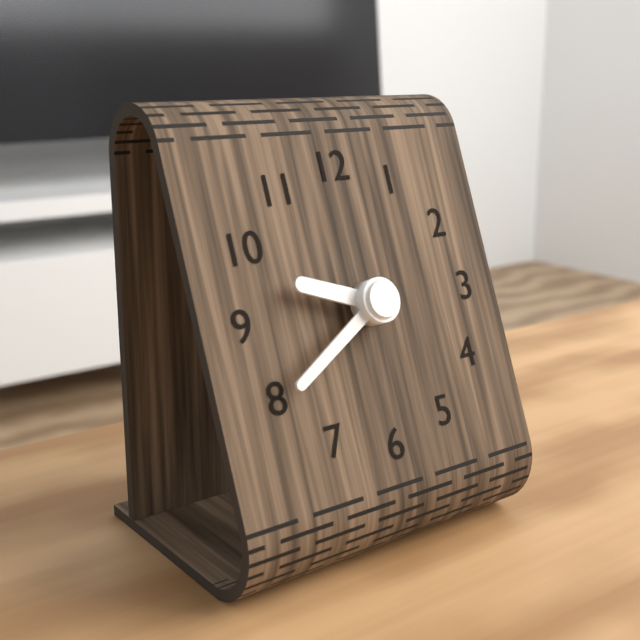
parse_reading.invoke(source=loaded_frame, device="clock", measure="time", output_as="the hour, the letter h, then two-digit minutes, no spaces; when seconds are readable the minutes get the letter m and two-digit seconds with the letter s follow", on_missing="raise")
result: 9h40
